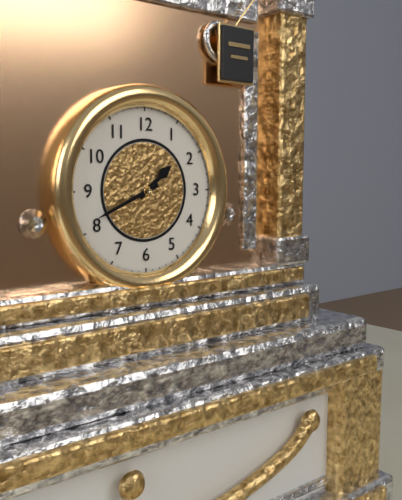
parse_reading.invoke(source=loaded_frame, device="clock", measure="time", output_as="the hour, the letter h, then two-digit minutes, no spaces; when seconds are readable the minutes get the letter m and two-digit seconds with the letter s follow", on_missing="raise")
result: 1h41
